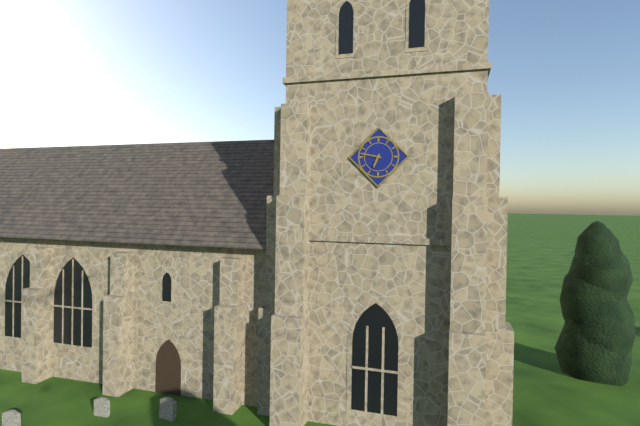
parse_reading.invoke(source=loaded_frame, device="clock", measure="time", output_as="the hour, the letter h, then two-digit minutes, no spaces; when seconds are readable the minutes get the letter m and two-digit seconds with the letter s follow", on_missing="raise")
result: 6h47
